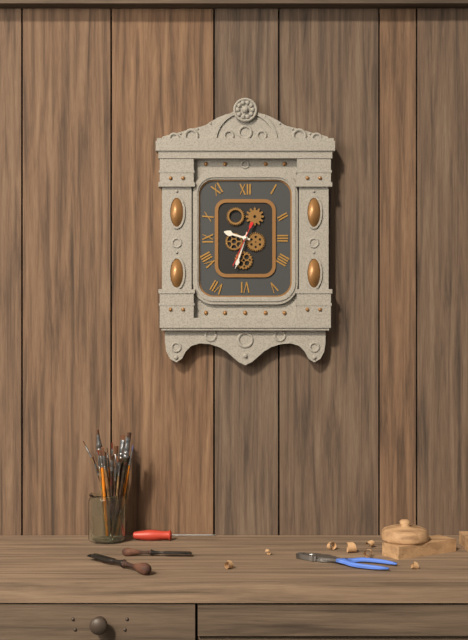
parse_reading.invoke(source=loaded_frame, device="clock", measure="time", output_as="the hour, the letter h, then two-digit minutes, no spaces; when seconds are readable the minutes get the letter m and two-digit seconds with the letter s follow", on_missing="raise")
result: 9h33
